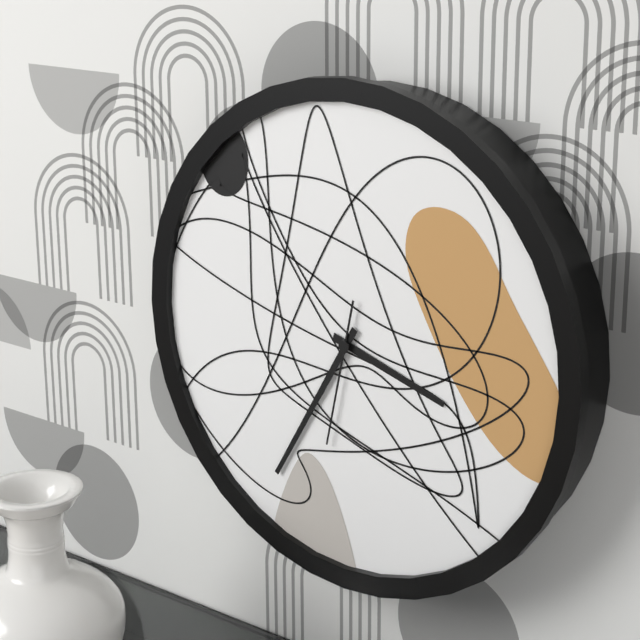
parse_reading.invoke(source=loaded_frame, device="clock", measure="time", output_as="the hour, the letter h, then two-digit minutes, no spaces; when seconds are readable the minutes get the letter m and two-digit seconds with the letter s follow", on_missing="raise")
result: 3h35m32s
